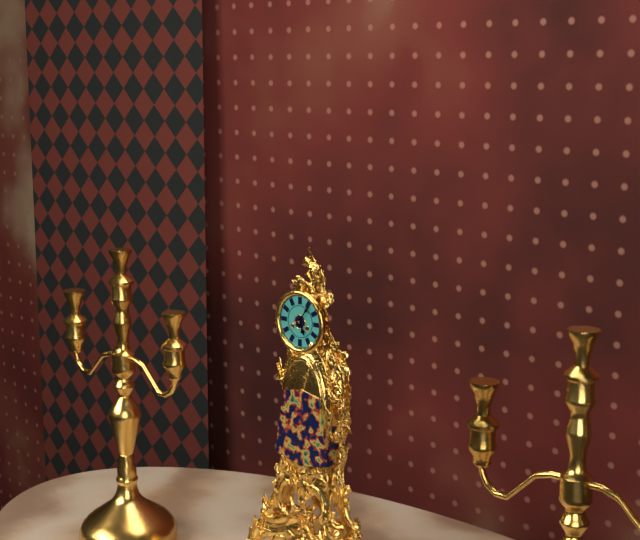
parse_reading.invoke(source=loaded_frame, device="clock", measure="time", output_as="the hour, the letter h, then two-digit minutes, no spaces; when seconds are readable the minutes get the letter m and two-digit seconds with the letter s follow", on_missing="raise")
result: 5h06
